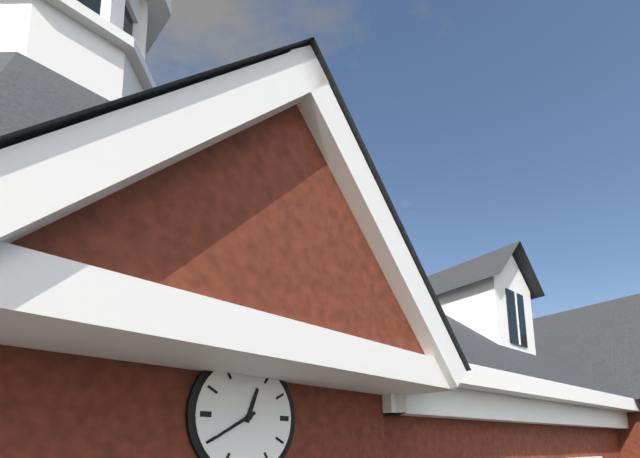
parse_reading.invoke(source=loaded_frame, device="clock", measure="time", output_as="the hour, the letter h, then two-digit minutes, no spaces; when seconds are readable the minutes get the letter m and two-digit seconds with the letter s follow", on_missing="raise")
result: 12h40
